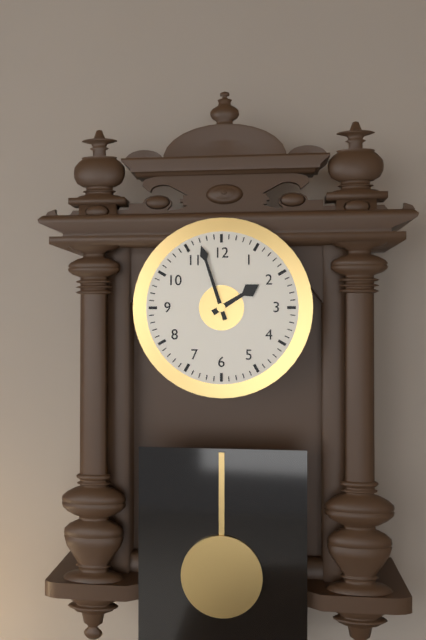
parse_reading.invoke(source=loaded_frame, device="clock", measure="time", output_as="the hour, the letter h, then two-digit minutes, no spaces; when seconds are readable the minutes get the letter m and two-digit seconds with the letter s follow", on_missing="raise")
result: 1h57
